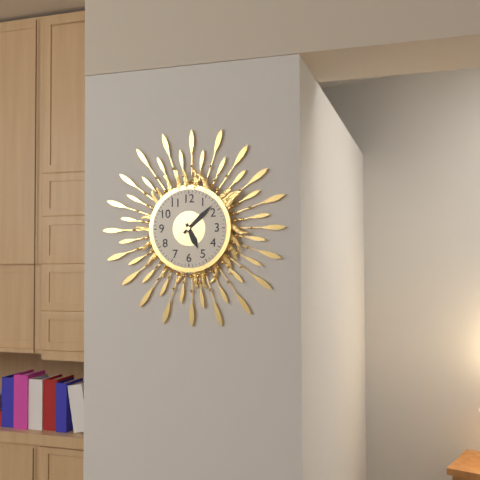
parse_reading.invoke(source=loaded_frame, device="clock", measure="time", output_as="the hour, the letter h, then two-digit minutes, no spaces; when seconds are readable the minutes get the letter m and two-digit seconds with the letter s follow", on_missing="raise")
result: 5h08
